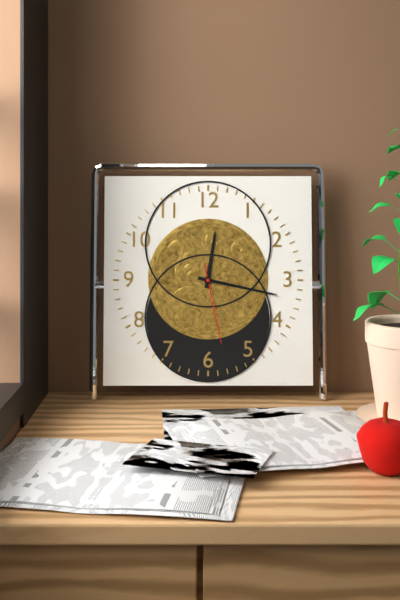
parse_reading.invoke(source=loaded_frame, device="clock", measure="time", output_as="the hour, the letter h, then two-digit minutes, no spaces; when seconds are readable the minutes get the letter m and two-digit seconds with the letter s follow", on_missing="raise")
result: 12h17m28s
